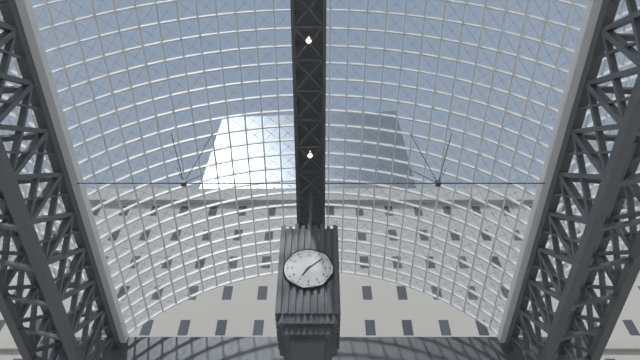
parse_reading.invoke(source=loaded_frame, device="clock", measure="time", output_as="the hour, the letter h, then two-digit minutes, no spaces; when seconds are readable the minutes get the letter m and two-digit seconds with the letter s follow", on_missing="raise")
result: 7h08
